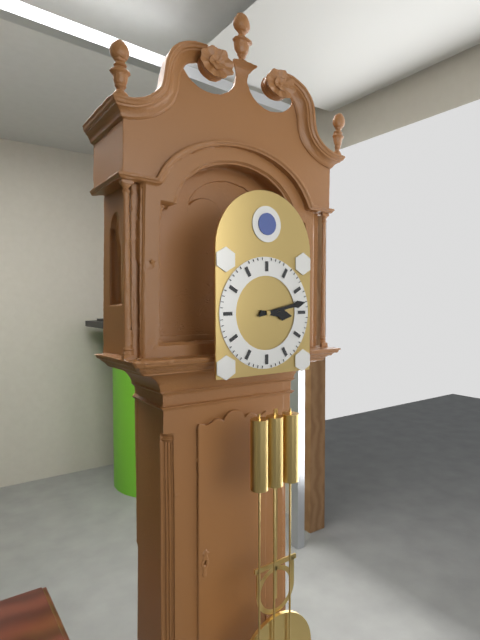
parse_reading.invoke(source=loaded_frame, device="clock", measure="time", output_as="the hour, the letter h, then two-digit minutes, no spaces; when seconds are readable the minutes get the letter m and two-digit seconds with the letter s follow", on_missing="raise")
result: 3h13
